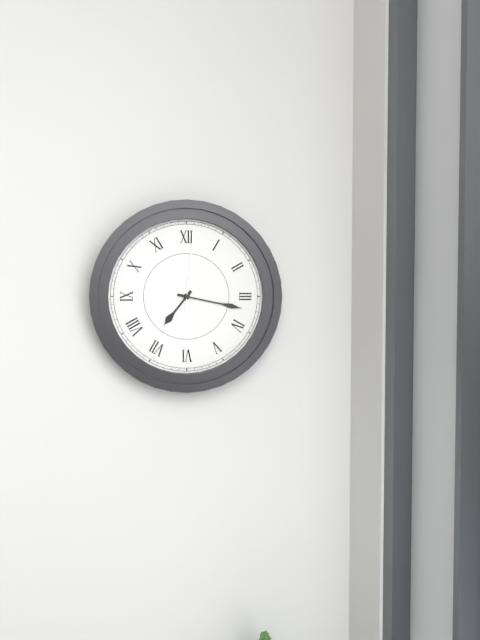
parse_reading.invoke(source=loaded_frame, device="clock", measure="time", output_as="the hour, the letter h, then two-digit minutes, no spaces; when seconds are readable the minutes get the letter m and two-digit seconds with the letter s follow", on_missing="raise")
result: 7h17m01s
